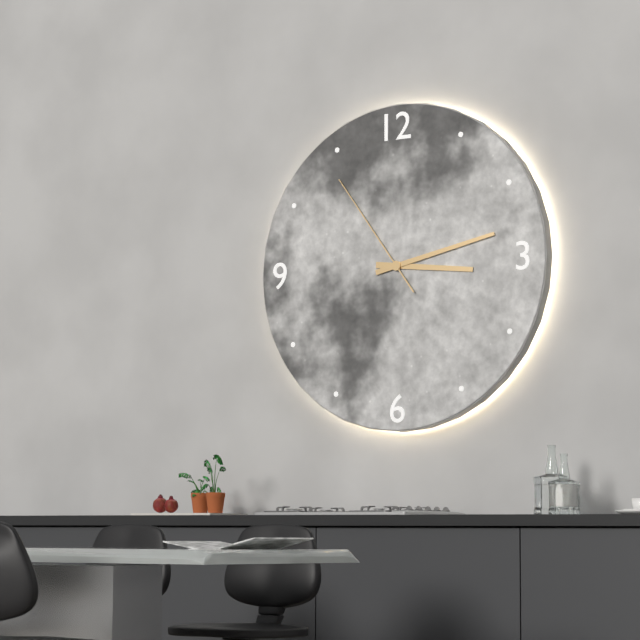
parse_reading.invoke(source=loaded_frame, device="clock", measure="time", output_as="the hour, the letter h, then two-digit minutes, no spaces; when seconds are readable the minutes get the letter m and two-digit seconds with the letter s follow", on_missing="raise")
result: 3h13m54s
